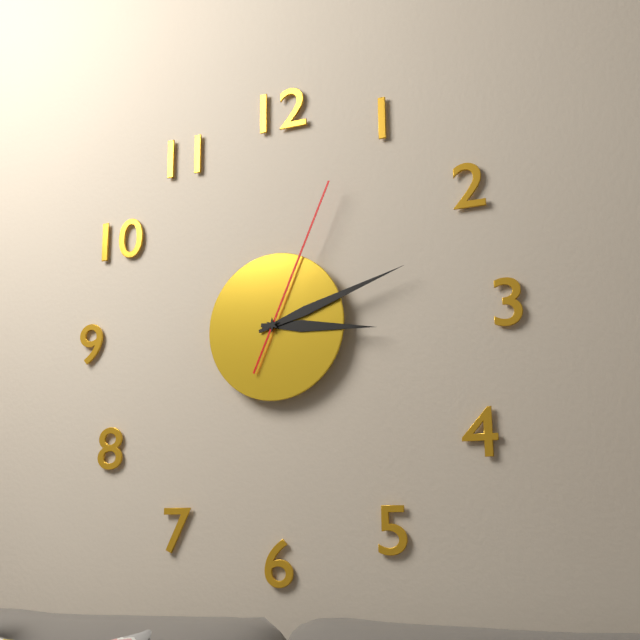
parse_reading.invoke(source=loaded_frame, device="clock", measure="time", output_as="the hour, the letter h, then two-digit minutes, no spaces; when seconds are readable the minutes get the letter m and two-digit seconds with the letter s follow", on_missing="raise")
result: 3h12m04s
